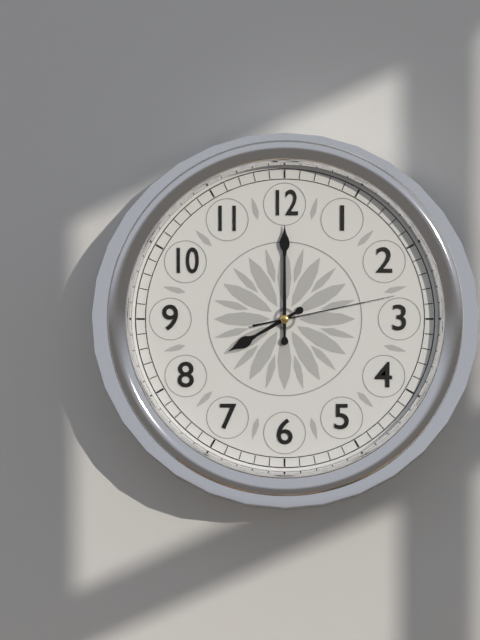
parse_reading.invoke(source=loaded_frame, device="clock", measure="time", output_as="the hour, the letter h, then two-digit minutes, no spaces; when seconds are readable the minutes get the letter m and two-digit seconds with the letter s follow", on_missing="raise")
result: 8h00m13s
